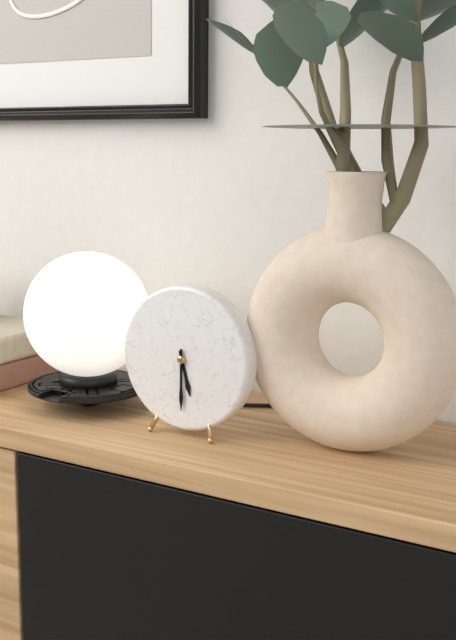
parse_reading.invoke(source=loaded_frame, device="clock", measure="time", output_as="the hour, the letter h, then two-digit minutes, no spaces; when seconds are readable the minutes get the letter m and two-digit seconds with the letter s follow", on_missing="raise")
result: 5h30
